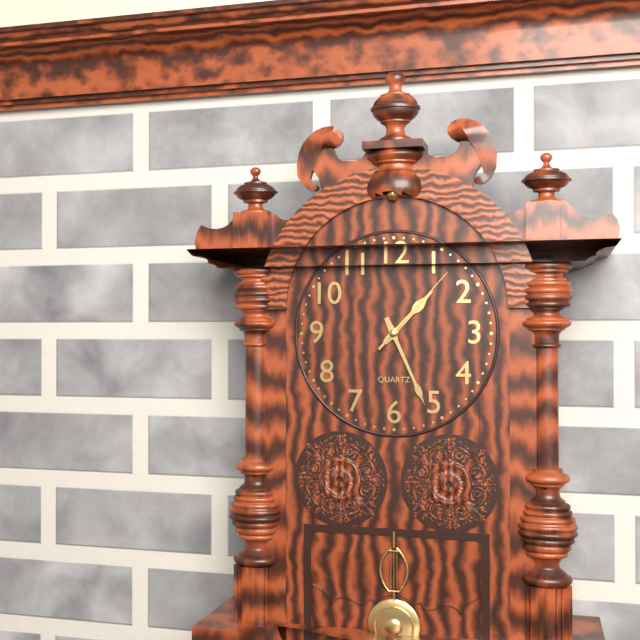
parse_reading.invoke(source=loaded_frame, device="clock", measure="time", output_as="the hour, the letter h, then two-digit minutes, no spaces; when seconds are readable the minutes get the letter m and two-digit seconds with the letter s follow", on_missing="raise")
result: 1h26m07s
